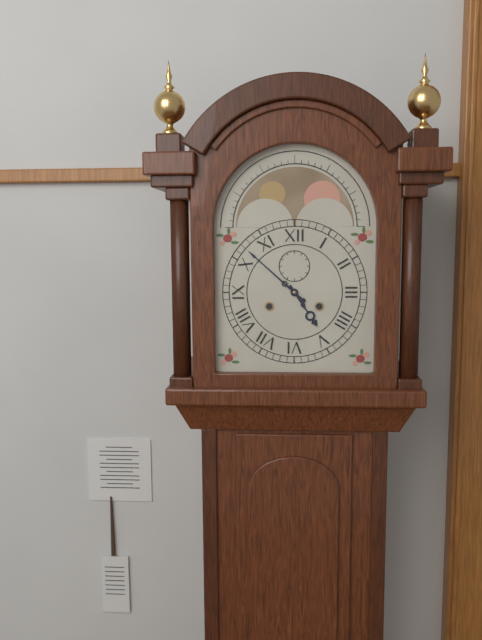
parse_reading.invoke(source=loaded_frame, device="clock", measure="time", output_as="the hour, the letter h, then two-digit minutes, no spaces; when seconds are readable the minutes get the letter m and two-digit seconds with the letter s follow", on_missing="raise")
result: 4h52
